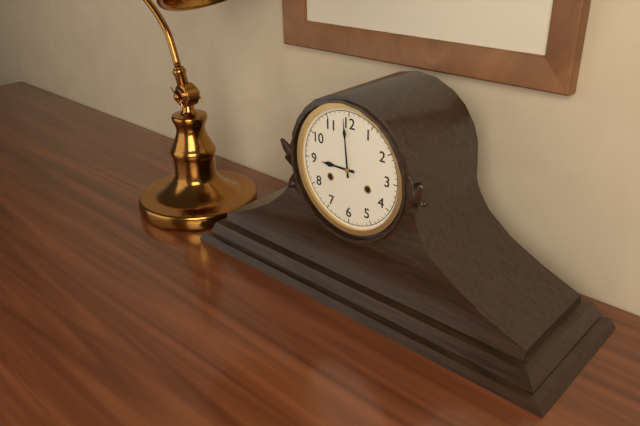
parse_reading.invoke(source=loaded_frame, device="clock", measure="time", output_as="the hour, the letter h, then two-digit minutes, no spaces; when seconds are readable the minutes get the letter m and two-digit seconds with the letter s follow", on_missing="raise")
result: 8h59
